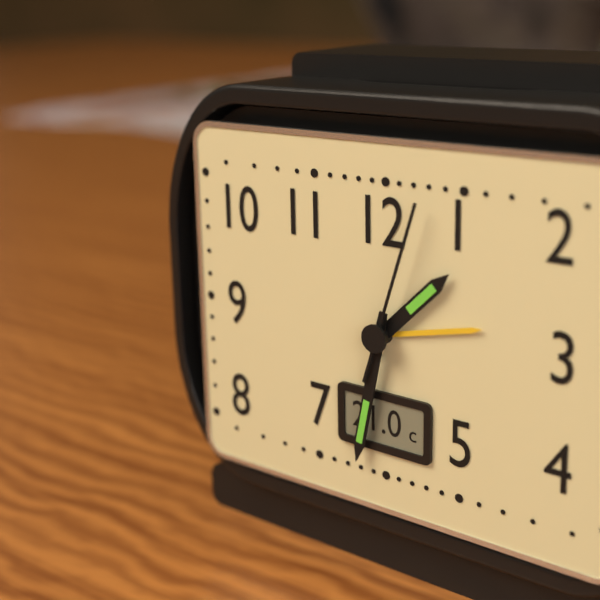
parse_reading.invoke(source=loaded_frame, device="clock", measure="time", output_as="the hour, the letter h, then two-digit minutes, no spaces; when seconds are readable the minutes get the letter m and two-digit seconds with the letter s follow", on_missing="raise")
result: 1h32m03s
